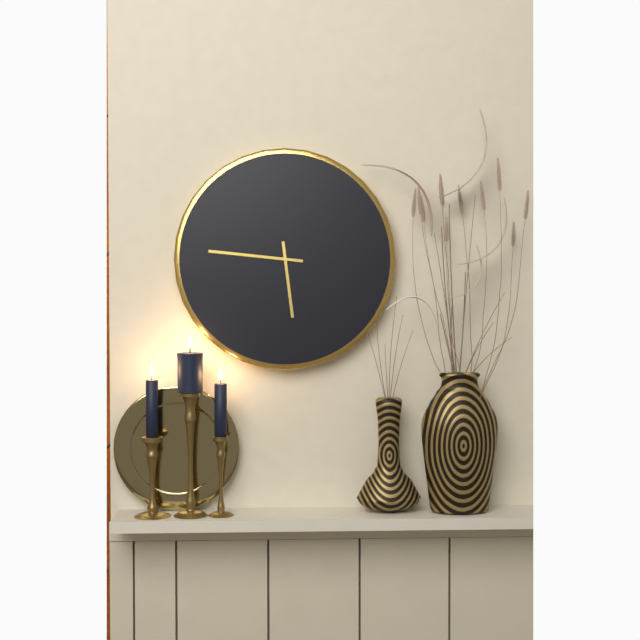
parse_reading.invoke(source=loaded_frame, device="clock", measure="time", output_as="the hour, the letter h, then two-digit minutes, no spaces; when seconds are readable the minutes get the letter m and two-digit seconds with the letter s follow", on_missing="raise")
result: 5h46
